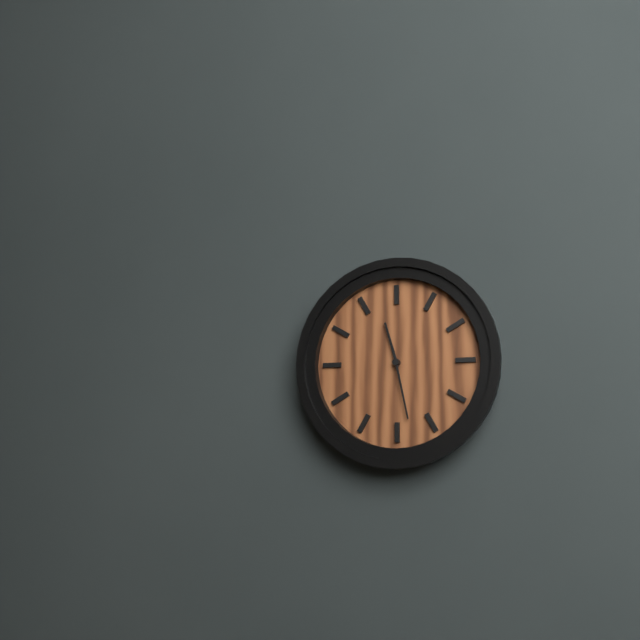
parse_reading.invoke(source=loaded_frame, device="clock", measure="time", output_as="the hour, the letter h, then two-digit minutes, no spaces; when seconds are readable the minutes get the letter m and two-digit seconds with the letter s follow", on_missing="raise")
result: 11h28
